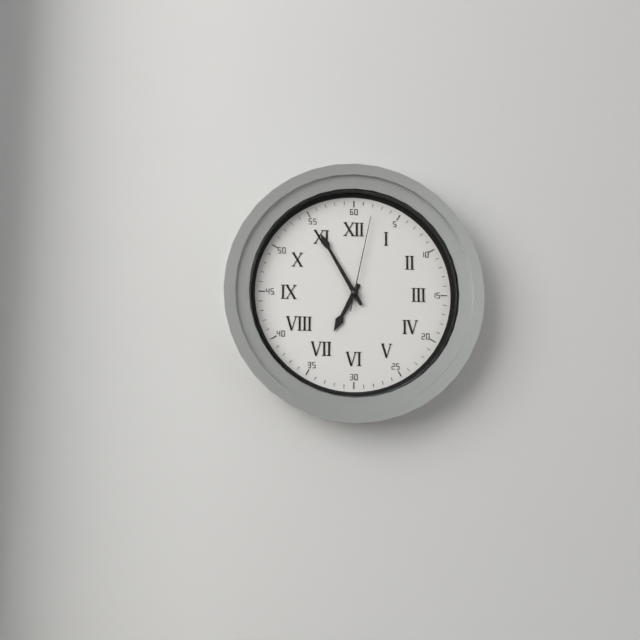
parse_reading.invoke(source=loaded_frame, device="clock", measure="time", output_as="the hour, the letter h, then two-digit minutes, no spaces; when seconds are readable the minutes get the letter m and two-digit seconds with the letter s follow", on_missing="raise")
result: 6h55m02s
